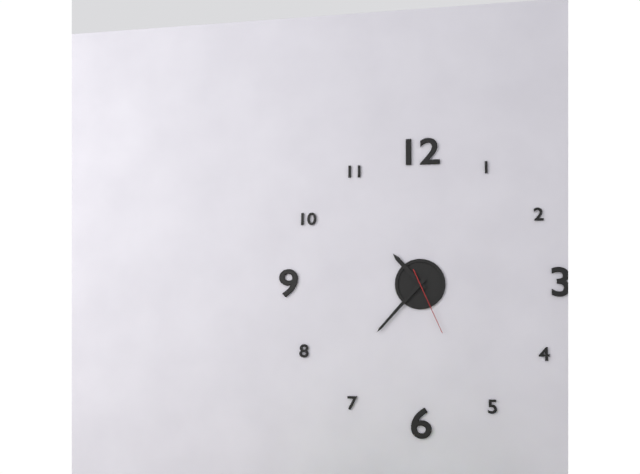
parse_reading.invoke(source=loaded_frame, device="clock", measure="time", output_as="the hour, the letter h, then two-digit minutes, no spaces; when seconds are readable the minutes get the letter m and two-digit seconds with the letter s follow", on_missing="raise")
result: 10h37m26s
